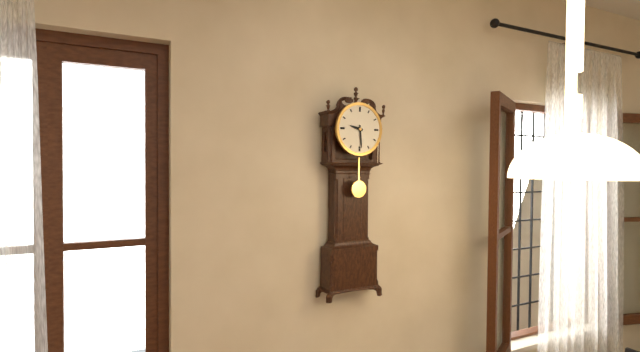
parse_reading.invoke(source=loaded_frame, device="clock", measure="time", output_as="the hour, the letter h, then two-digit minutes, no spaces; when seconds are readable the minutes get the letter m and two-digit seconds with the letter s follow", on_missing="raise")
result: 9h29
